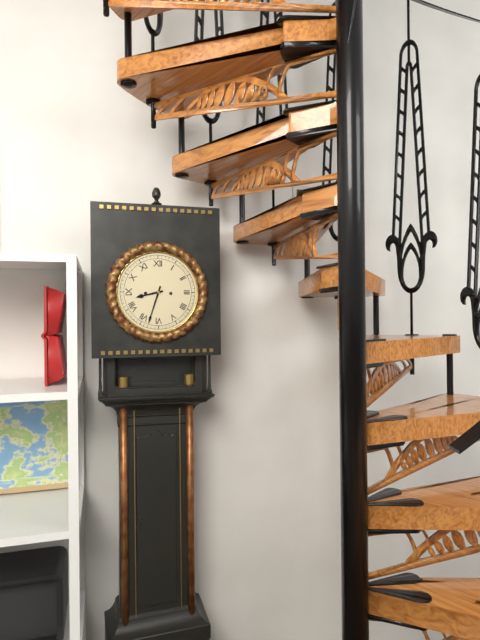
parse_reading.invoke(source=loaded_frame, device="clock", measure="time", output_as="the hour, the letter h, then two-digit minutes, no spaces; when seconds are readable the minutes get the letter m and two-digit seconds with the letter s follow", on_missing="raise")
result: 8h33
